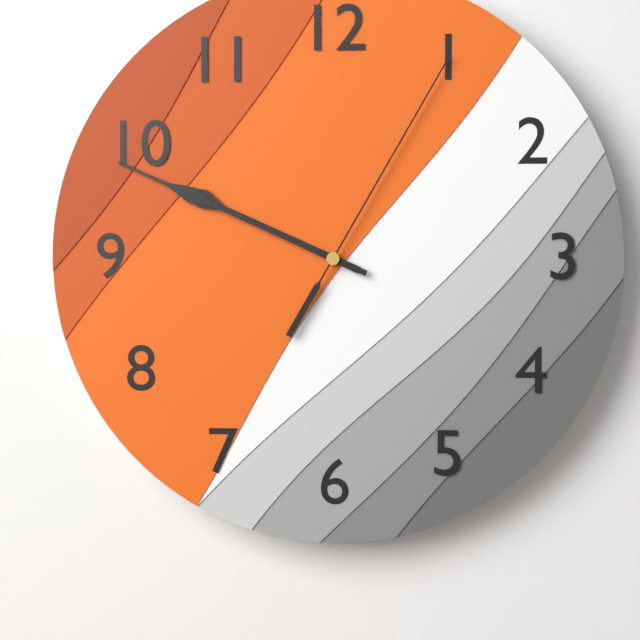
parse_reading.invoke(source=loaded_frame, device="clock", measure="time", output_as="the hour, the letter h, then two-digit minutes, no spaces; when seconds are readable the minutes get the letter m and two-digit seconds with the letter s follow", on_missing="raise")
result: 9h49m05s
